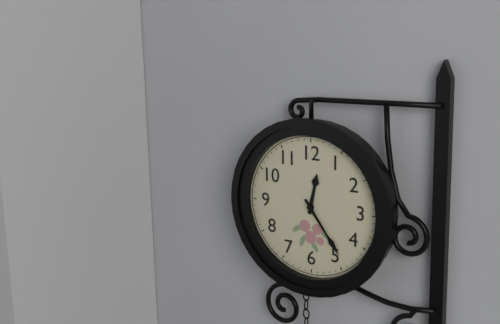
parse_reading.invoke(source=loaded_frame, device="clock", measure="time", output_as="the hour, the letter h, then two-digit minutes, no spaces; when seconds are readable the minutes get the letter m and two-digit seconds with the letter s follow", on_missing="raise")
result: 12h24
